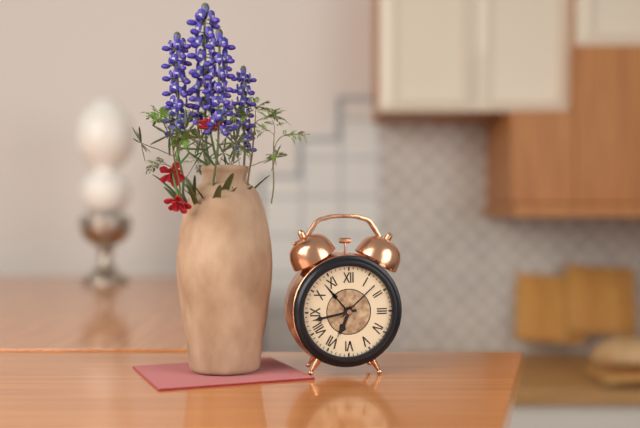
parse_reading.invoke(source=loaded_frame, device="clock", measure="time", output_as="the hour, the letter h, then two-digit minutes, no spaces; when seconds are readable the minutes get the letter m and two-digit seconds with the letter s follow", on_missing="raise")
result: 6h43
